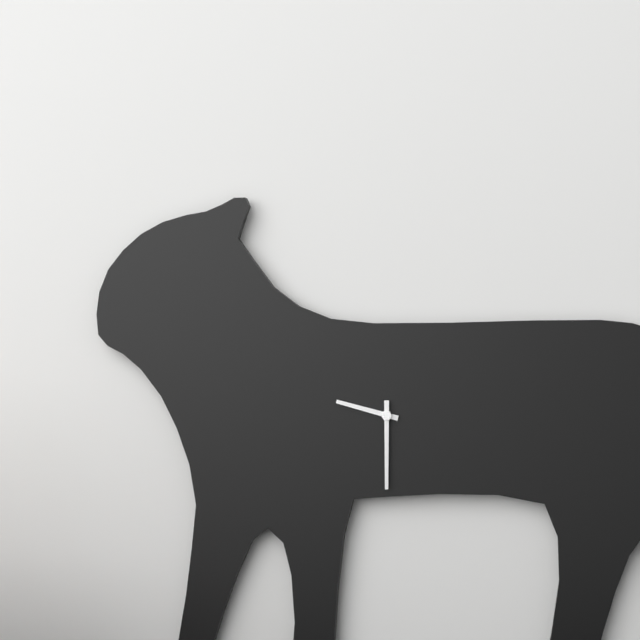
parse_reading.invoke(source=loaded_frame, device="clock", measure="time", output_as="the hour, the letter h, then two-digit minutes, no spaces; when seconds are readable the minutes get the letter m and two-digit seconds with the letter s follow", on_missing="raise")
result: 9h30
